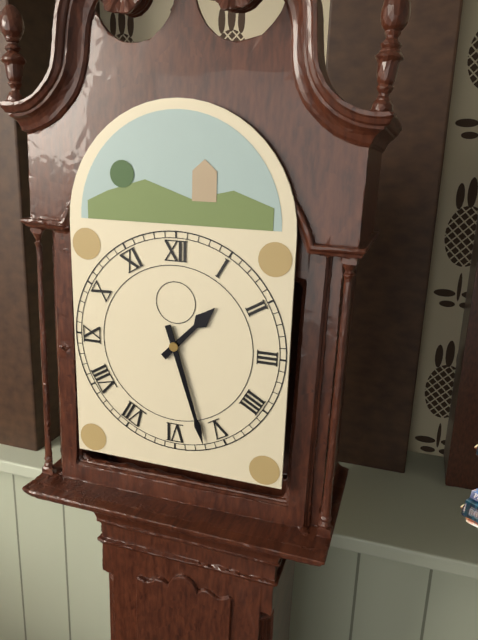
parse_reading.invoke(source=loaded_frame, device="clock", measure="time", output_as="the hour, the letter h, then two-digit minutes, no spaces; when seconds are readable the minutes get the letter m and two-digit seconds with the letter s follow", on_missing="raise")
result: 1h27
